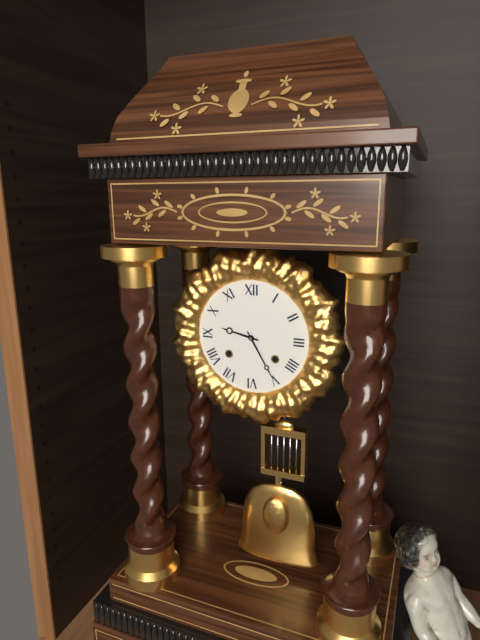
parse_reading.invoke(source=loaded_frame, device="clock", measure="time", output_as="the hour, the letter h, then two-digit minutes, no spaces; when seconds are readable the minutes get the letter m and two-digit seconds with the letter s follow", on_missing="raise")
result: 9h25
